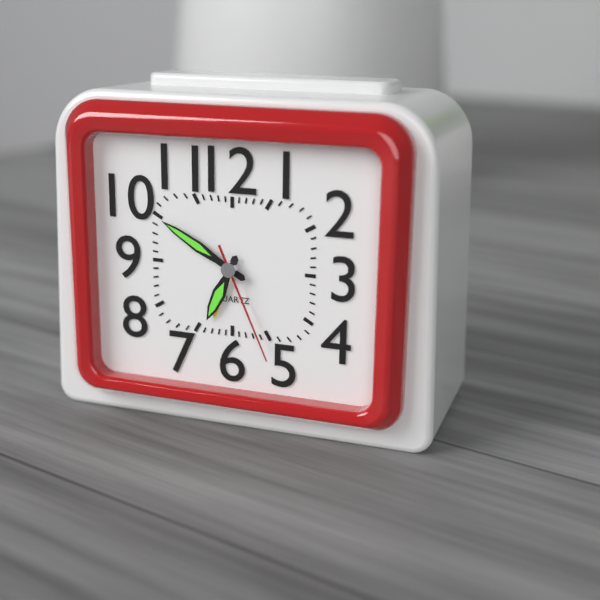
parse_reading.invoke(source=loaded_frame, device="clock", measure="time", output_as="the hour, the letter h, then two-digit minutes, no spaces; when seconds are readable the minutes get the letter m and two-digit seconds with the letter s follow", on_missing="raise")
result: 6h50m26s
